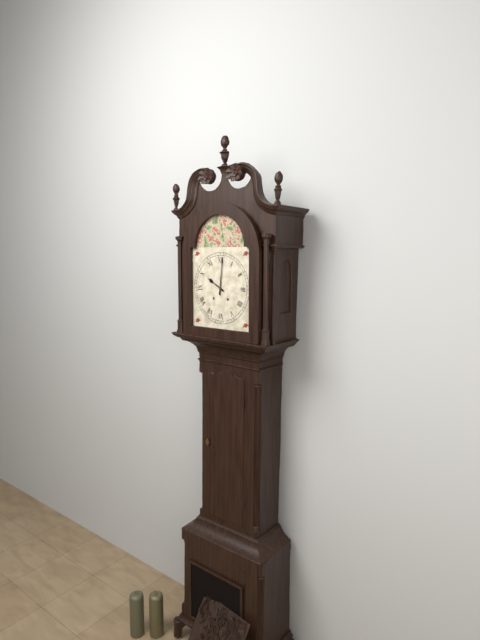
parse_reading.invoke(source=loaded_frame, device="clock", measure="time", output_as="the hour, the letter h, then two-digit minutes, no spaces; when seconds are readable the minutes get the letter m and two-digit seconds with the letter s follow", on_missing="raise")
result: 10h01
